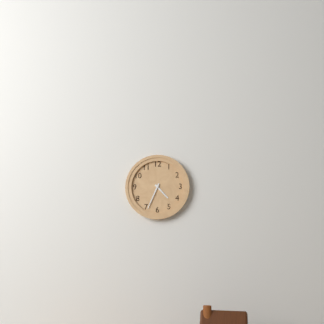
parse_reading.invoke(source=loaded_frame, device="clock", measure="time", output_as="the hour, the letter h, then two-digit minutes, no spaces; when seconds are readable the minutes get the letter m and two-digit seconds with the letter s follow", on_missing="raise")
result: 4h34
